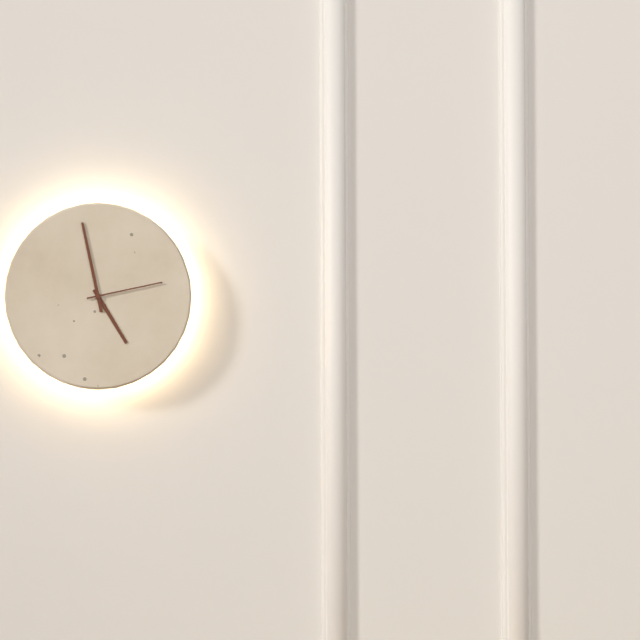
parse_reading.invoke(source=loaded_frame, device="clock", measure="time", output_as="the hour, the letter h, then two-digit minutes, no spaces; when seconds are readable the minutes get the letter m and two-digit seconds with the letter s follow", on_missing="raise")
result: 4h58m13s
